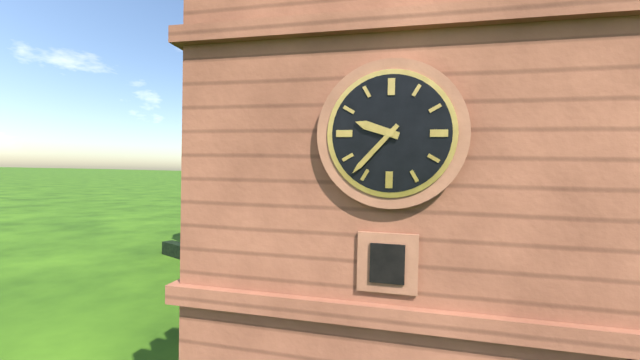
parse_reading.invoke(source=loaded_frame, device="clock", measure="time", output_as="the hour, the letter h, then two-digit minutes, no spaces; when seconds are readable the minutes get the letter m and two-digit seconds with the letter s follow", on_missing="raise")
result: 9h37
